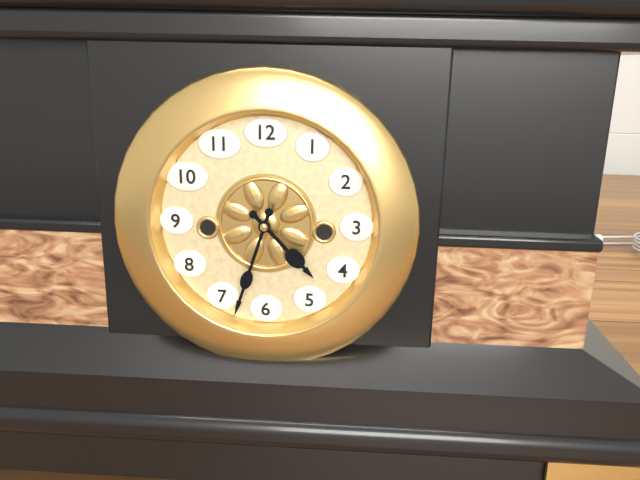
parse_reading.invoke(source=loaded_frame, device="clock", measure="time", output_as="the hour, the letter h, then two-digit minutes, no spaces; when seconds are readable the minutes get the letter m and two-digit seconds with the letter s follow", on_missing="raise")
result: 4h33
